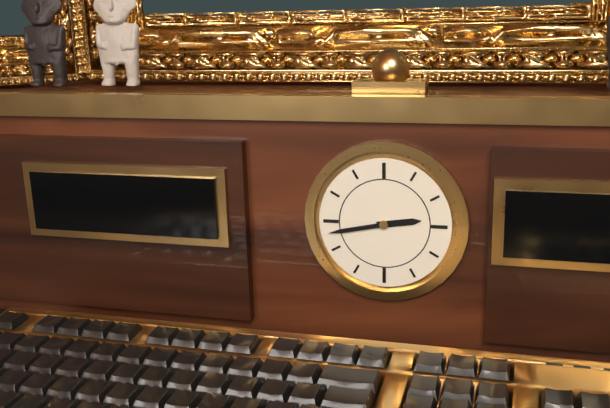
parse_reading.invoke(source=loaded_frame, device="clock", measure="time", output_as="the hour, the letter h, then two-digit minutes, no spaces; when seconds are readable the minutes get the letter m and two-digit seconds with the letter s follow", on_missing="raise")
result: 2h43
